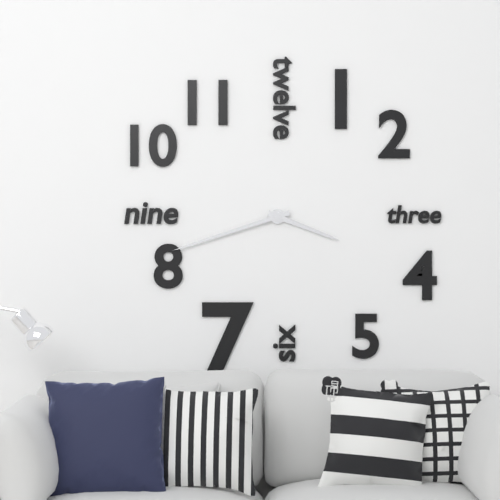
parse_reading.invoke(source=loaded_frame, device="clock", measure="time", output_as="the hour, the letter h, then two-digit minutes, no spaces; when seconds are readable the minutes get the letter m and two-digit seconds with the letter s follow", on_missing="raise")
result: 3h42
